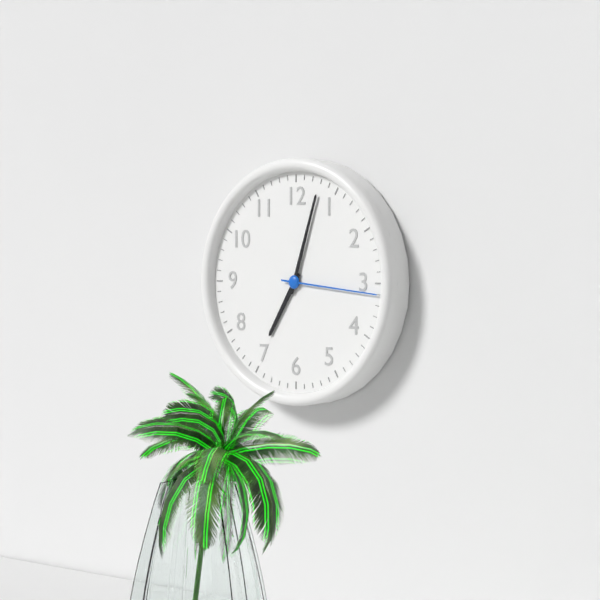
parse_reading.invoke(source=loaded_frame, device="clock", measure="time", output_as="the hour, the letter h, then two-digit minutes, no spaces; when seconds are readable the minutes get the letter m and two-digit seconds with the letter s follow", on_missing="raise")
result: 7h03m16s
